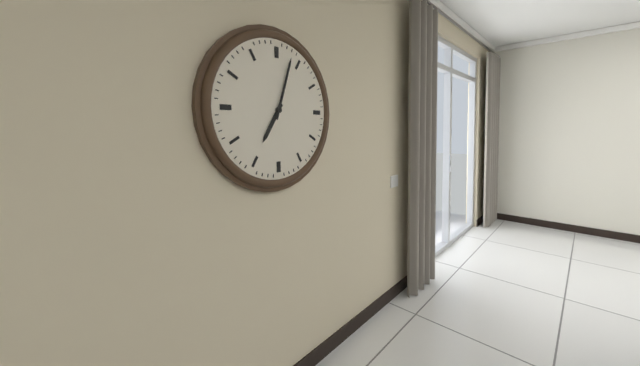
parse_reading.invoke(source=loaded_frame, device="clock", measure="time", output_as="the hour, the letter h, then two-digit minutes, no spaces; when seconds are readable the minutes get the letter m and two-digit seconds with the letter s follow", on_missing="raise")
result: 7h03
